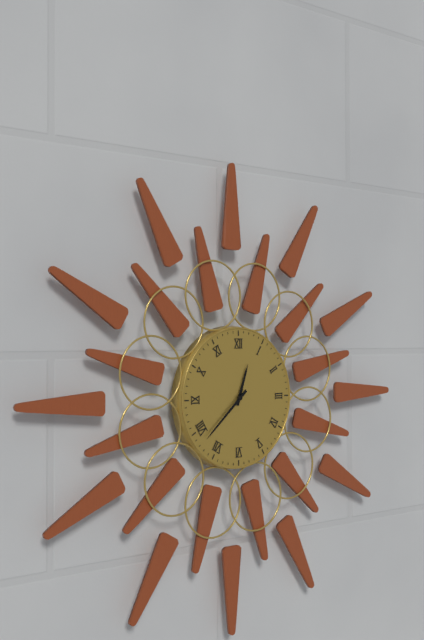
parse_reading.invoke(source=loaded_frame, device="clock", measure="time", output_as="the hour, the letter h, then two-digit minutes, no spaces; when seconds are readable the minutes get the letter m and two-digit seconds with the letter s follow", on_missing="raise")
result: 12h38
